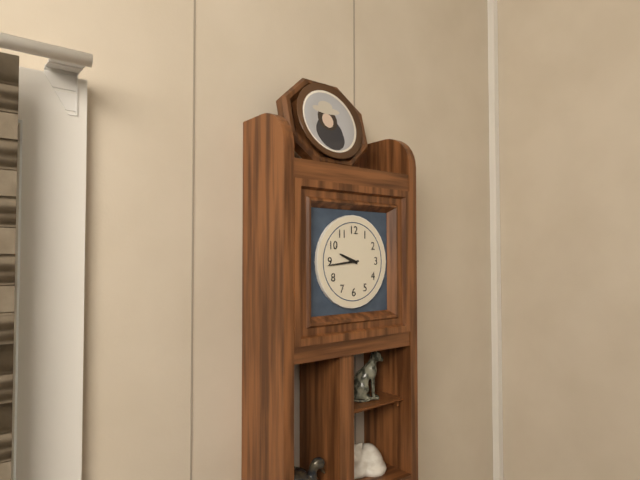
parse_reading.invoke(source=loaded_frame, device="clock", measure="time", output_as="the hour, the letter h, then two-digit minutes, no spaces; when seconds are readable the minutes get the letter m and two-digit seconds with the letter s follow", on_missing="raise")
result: 9h44
